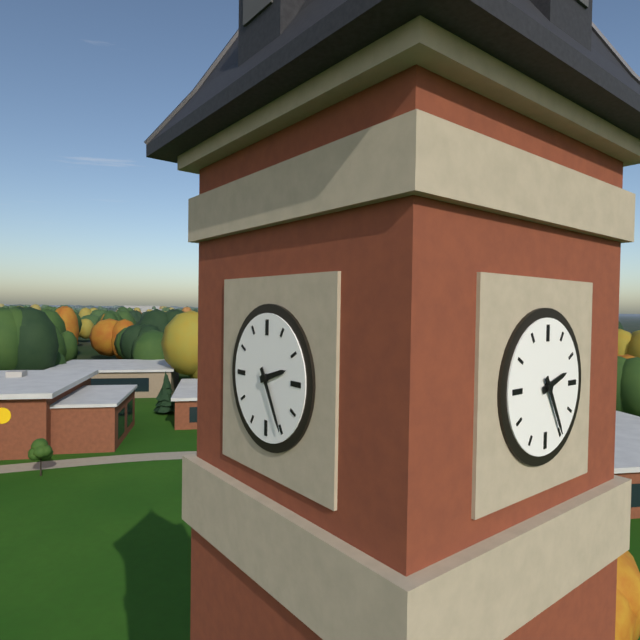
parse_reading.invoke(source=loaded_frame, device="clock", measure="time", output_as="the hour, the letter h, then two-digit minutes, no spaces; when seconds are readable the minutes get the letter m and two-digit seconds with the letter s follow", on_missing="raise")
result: 2h25
